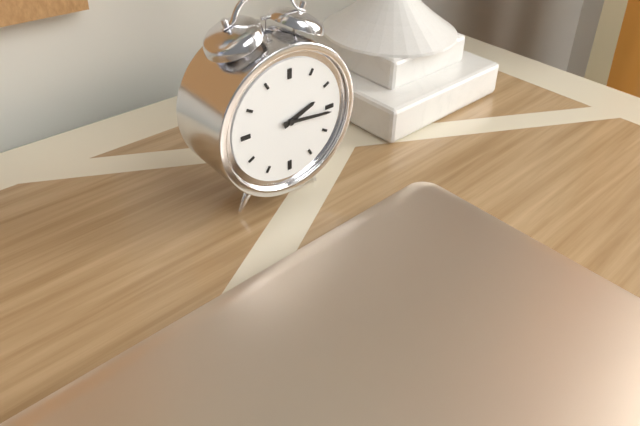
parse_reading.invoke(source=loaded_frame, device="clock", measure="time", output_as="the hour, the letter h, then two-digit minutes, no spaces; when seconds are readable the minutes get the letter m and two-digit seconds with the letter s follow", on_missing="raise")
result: 2h16
